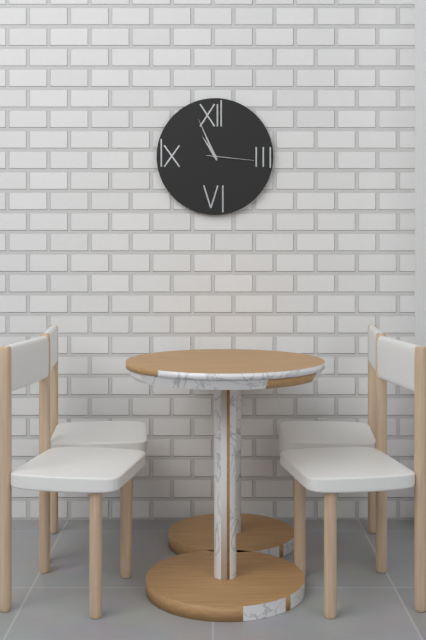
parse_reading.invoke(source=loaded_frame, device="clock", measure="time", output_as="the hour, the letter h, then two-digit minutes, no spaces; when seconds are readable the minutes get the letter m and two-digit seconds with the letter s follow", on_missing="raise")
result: 10h56m16s
